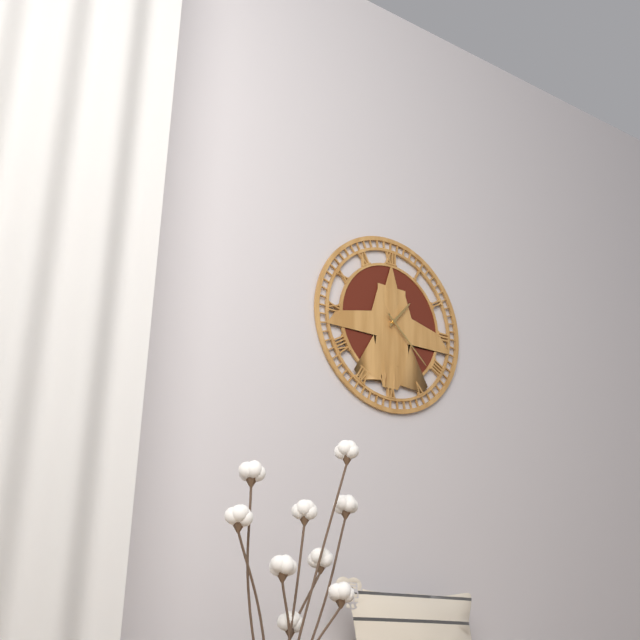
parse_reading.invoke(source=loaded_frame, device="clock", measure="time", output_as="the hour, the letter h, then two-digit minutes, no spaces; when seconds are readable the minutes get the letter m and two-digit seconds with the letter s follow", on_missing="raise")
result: 1h22
